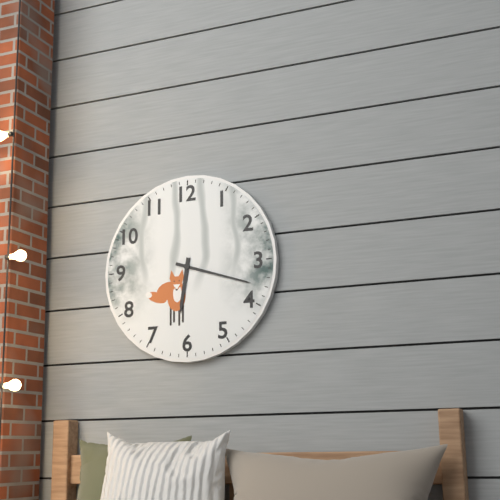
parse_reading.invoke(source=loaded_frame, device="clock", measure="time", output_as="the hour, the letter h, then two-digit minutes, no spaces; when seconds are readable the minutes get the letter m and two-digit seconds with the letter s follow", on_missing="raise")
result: 6h18
